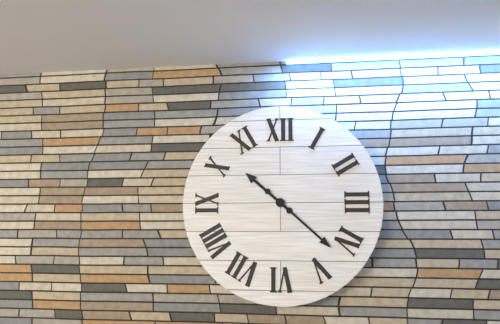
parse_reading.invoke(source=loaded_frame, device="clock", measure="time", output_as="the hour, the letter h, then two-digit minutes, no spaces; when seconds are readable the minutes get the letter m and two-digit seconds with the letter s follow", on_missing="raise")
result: 10h22
